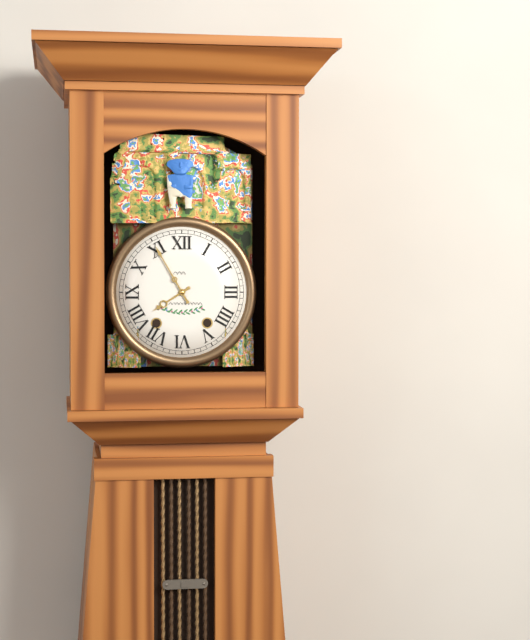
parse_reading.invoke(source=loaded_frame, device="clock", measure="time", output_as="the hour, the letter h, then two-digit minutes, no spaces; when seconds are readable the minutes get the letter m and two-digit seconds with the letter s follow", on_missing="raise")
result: 7h55
